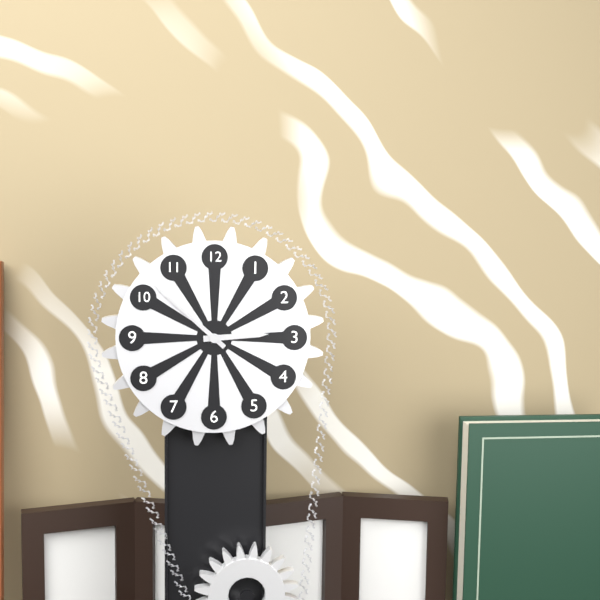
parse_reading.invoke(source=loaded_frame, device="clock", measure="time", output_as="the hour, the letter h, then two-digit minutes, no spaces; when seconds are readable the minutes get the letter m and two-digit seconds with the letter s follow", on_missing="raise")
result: 2h52
